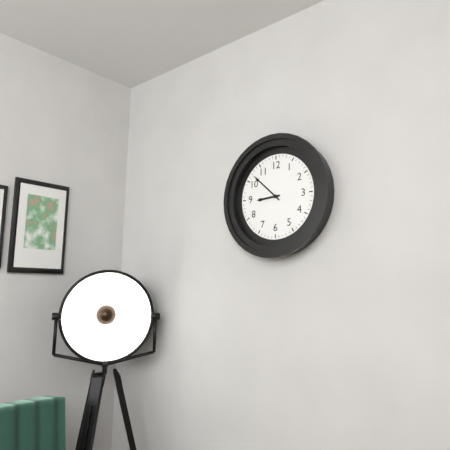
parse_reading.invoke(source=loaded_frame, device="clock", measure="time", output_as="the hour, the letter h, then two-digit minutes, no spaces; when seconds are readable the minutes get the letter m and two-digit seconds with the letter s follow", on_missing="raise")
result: 8h52
